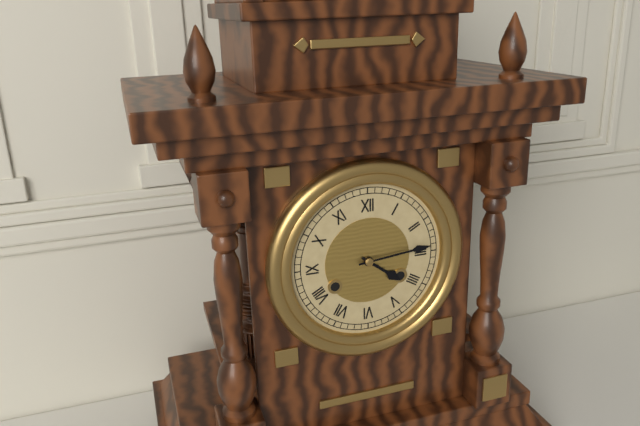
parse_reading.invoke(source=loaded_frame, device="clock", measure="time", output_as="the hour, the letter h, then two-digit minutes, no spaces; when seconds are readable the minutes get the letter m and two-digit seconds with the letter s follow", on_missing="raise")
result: 4h14
